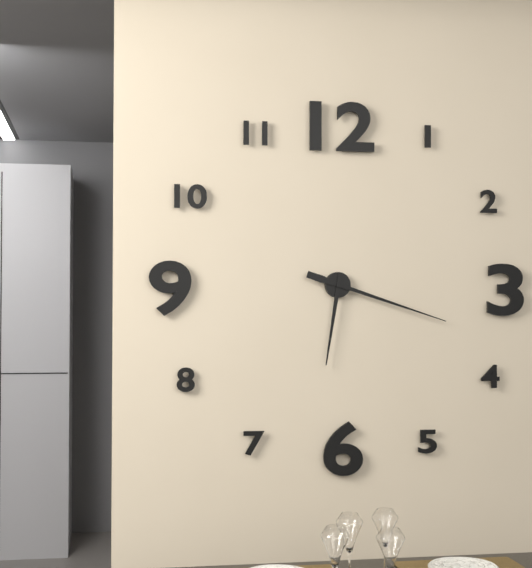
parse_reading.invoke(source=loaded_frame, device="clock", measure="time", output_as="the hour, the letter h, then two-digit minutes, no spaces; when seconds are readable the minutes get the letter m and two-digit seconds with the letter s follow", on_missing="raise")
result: 6h18
